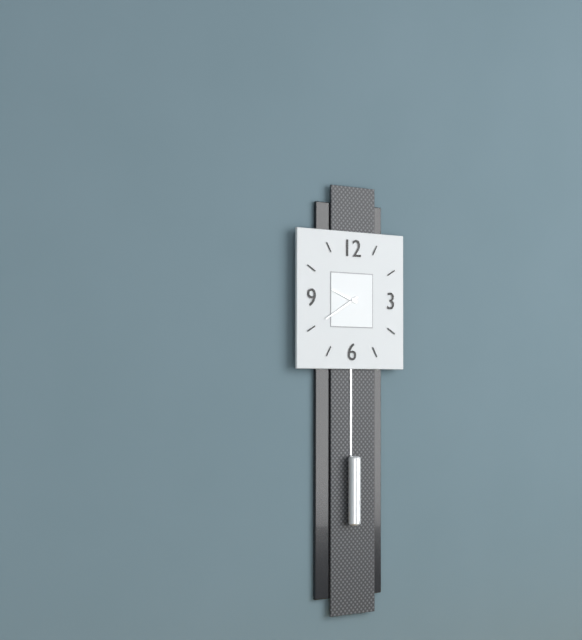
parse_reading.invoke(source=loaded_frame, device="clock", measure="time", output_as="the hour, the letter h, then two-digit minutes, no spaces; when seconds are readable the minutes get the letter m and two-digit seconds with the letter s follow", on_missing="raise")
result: 9h40
